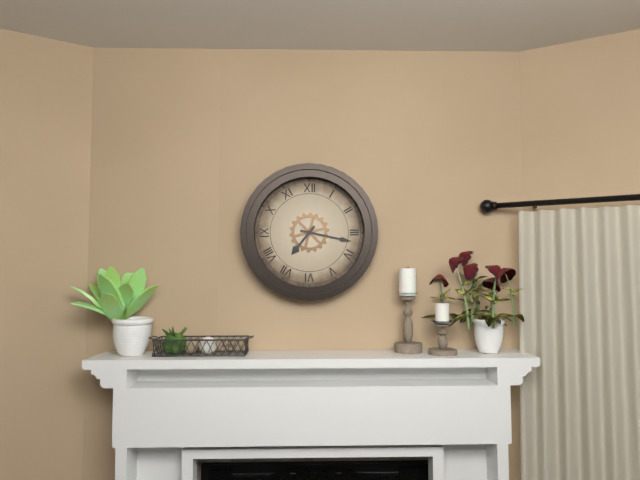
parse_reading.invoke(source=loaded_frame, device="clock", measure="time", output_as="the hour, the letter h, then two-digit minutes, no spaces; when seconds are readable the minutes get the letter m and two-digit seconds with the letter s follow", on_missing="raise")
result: 7h17
